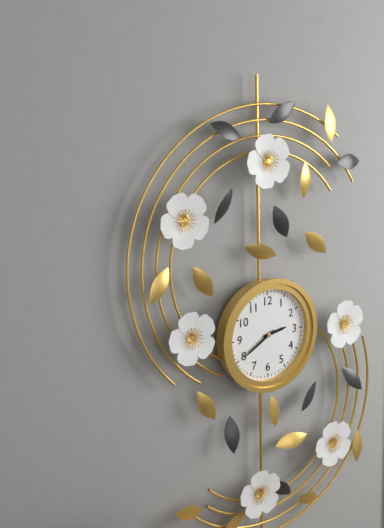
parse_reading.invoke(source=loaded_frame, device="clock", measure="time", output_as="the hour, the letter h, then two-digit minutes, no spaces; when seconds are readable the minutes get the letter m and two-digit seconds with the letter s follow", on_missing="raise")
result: 2h40
